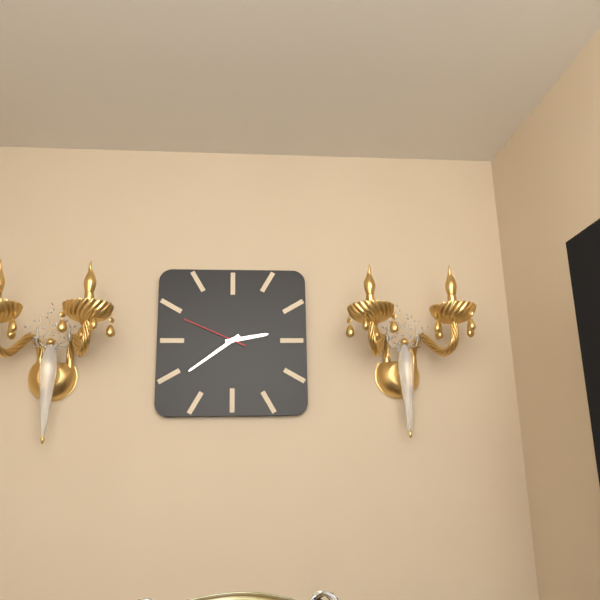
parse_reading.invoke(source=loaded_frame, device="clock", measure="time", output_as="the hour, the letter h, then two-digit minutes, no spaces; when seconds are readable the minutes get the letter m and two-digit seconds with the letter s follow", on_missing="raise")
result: 2h39m49s
